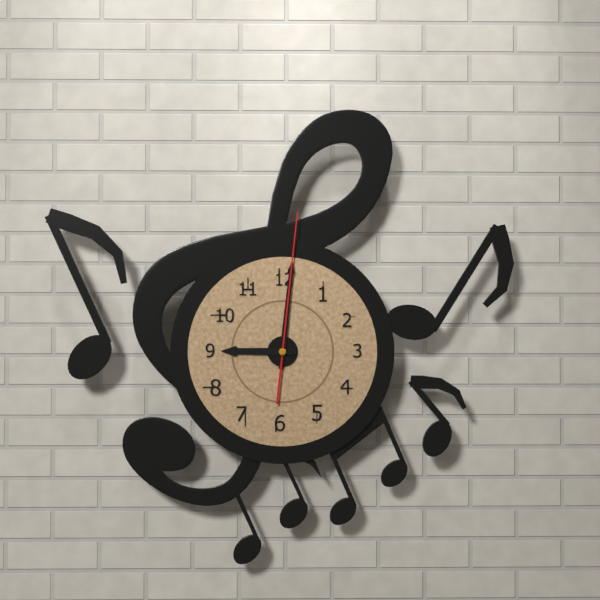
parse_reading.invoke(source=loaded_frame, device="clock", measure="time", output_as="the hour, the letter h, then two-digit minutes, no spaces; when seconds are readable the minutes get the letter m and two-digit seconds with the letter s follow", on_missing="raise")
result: 9h01m01s
